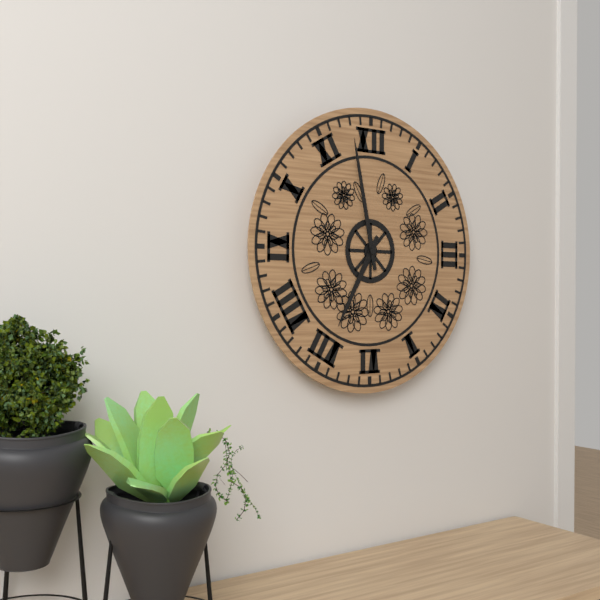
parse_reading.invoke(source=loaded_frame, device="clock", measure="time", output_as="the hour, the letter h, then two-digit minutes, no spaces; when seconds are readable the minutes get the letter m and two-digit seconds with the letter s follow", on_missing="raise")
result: 6h58
